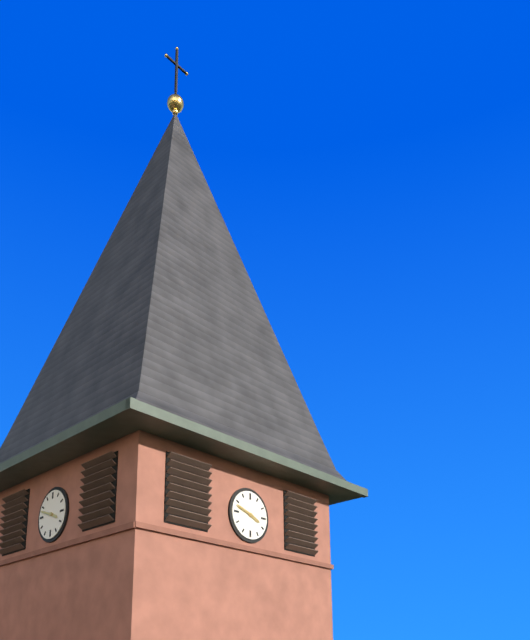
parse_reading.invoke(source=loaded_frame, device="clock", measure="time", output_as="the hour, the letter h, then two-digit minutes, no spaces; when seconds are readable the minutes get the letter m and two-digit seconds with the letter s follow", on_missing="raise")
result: 3h48
